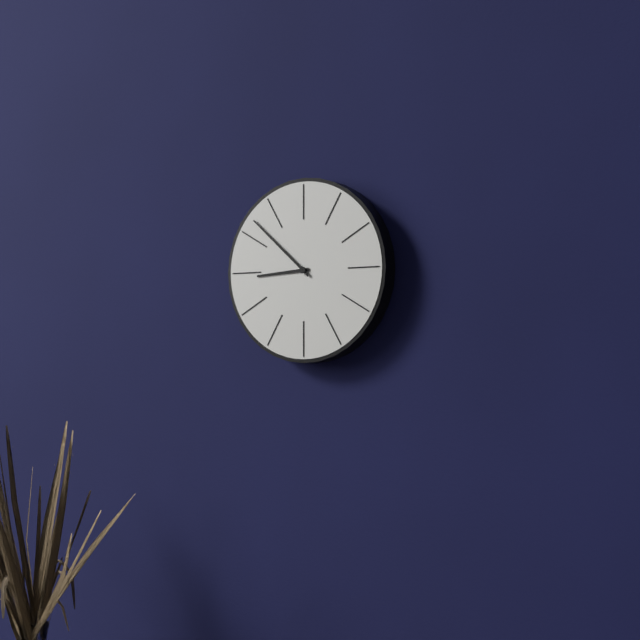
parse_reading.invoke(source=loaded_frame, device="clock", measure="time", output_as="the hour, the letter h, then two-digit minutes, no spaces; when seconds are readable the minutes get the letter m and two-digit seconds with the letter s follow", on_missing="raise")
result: 8h52
